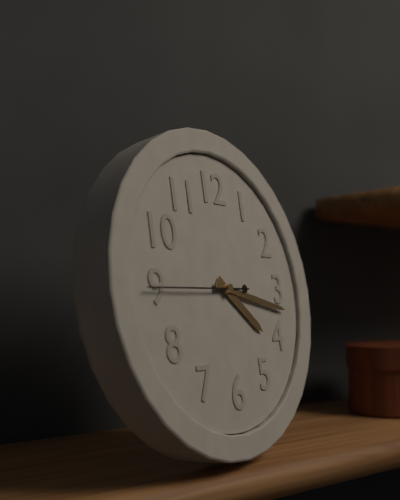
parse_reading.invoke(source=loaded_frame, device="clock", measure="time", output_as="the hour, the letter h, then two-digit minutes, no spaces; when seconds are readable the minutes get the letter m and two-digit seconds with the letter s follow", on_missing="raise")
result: 4h17m45s
